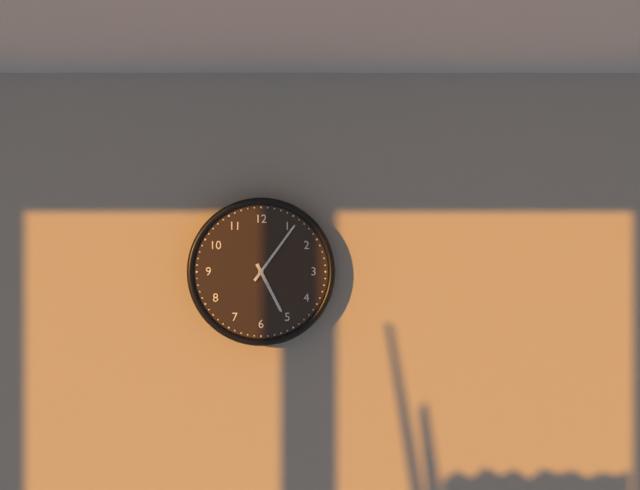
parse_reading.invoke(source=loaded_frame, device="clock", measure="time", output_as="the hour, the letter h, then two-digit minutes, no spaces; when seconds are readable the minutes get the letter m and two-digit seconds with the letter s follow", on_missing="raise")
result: 5h06
